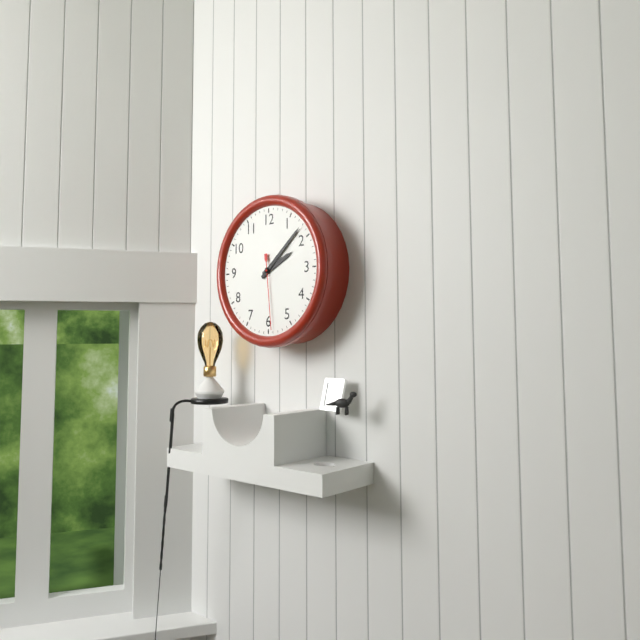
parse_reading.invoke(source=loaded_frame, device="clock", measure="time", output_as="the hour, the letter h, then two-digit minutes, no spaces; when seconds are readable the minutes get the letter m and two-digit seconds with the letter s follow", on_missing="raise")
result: 2h08m29s
